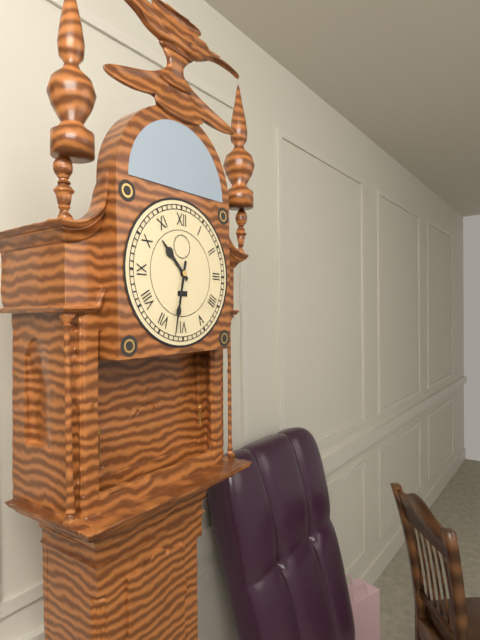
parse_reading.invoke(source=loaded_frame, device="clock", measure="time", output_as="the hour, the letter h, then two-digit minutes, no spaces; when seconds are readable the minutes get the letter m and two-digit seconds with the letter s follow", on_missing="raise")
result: 10h32
